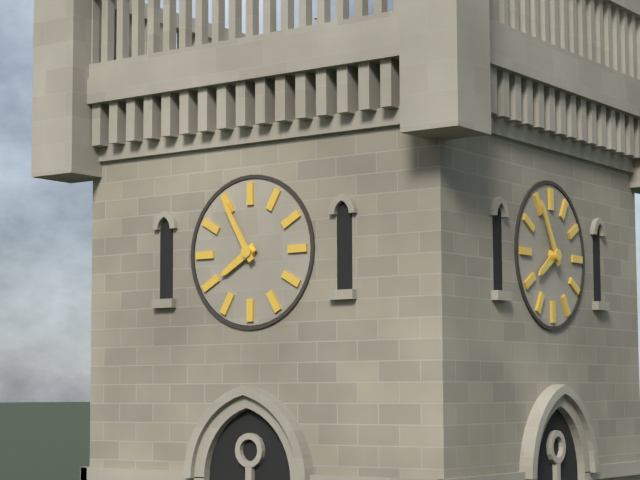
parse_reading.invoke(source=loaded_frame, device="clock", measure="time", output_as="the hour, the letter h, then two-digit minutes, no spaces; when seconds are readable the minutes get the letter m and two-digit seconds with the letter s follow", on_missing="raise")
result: 7h55
